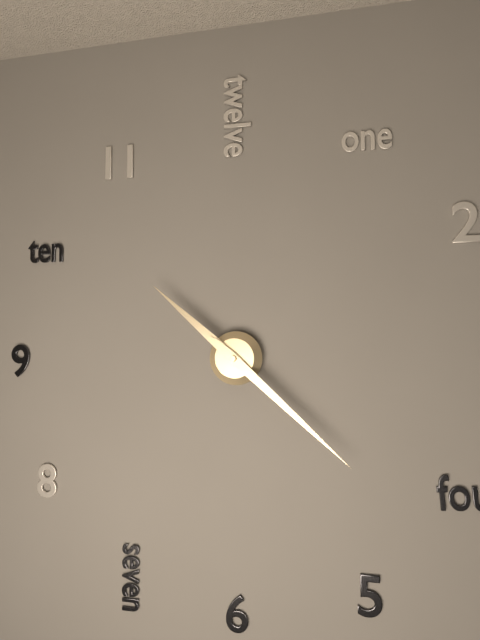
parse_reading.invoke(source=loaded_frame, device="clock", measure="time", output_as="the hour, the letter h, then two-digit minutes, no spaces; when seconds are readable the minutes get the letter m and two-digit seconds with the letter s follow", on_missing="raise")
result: 10h22
